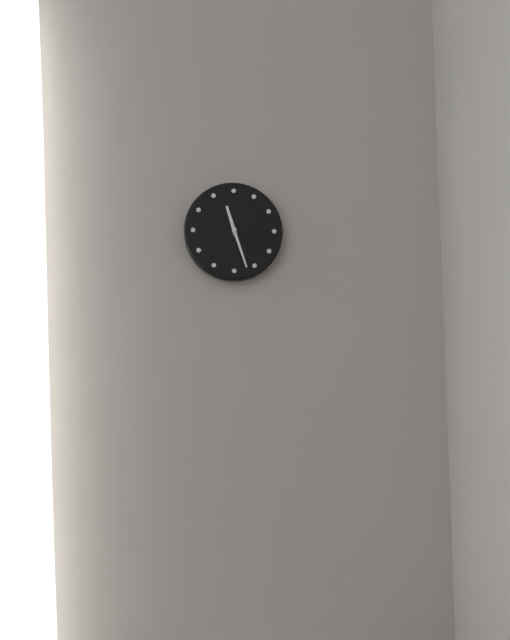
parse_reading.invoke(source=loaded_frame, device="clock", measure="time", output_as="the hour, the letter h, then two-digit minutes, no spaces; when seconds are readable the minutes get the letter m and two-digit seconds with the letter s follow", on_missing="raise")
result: 11h27
